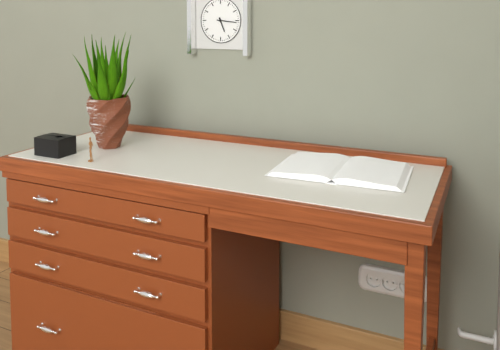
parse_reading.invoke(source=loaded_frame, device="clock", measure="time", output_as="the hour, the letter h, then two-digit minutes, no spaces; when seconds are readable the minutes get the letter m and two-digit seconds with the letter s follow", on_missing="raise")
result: 5h16
